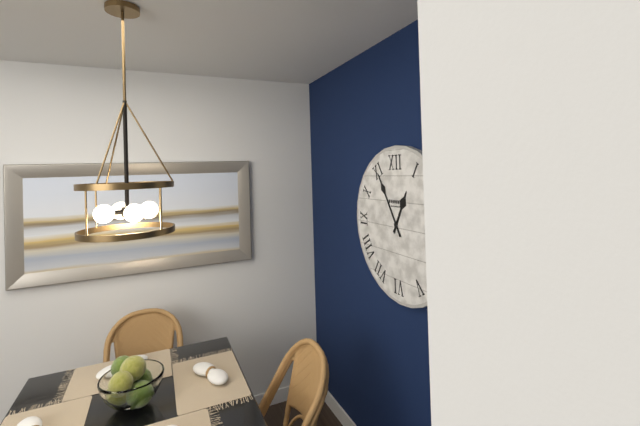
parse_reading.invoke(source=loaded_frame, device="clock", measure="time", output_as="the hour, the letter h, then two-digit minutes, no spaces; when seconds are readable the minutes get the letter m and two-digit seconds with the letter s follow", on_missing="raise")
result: 12h55
